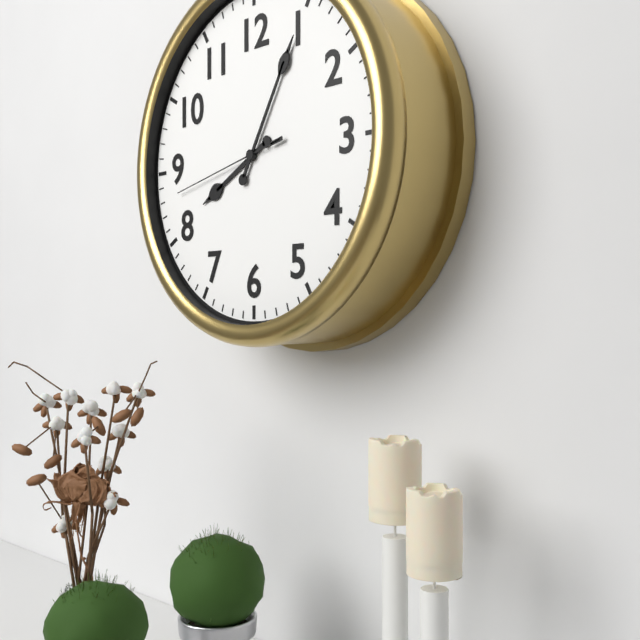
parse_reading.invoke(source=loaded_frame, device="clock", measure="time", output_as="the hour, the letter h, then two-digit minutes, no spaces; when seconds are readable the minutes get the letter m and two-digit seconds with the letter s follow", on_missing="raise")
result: 8h05m43s
